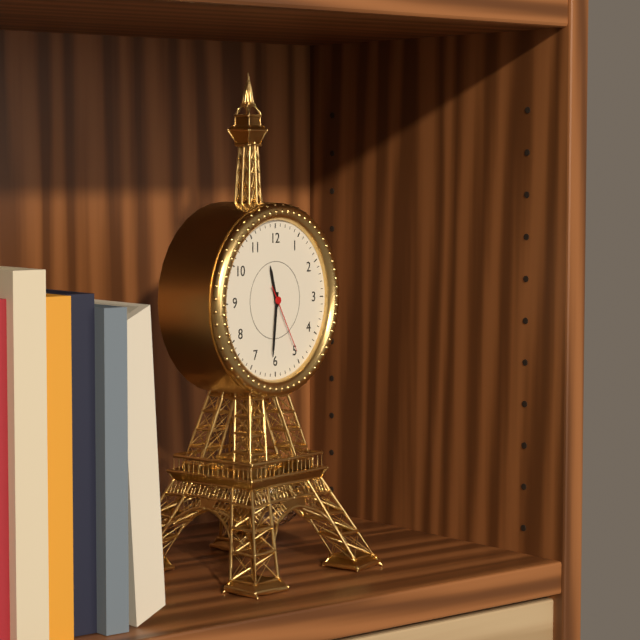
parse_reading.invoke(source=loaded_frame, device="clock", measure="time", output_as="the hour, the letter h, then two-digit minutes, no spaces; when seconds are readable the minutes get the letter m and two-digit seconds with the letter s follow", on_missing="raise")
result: 11h31m25s
